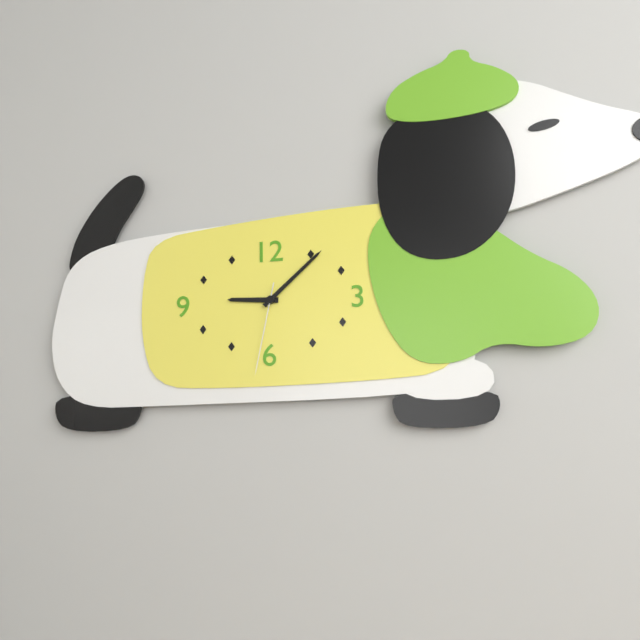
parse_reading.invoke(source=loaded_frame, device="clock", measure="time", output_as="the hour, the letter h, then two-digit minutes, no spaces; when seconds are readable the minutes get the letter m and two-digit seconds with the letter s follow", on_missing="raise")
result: 9h08m32s
